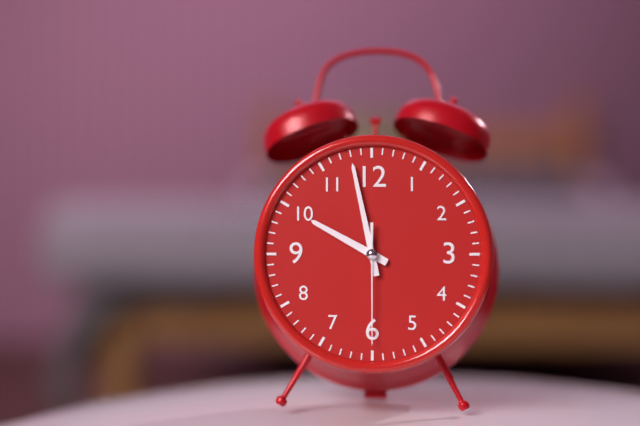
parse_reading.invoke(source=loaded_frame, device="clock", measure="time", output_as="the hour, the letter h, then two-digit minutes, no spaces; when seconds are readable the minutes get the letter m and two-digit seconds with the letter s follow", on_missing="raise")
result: 9h58m30s
